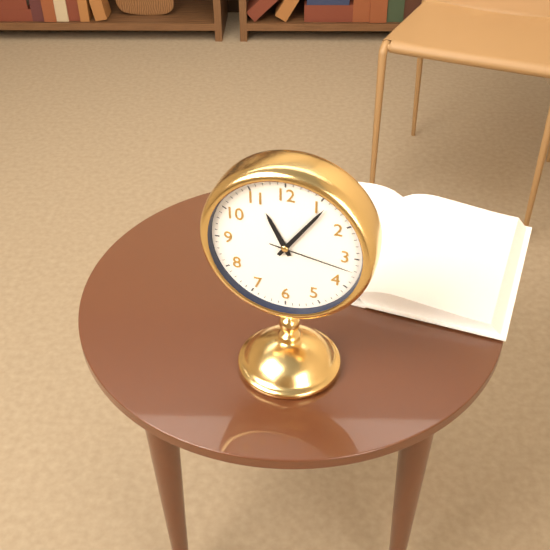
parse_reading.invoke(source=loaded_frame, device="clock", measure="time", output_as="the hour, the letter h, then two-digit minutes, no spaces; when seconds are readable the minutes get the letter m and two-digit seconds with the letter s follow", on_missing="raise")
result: 11h06m17s
